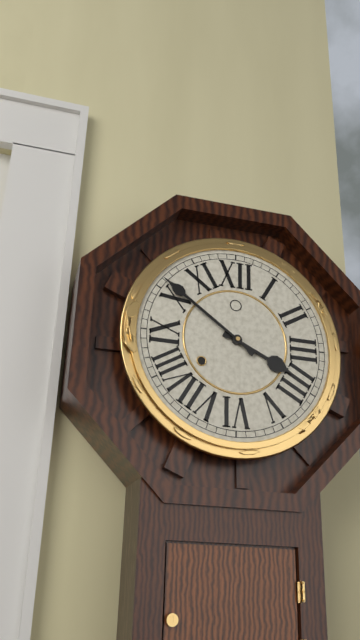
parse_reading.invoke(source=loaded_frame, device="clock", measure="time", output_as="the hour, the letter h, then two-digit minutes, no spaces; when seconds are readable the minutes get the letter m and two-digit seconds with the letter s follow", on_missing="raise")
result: 3h51
